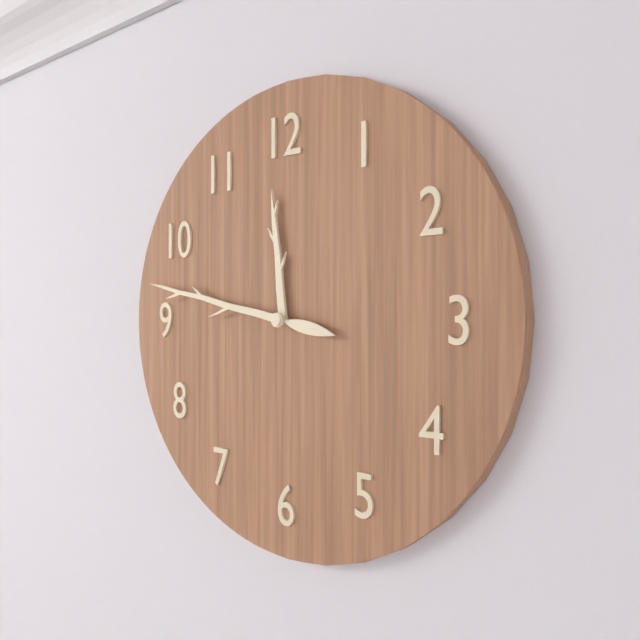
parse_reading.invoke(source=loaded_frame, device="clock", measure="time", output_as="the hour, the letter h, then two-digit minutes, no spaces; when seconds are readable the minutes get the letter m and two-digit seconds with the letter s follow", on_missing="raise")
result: 11h47
